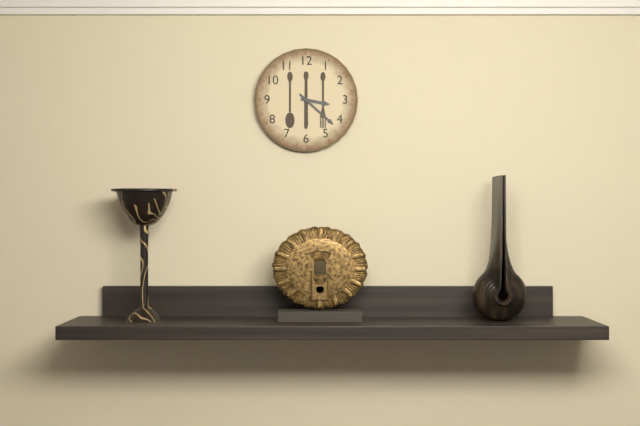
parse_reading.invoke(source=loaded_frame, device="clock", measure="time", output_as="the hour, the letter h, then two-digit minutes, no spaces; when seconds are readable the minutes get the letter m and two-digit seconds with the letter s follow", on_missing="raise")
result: 3h22
